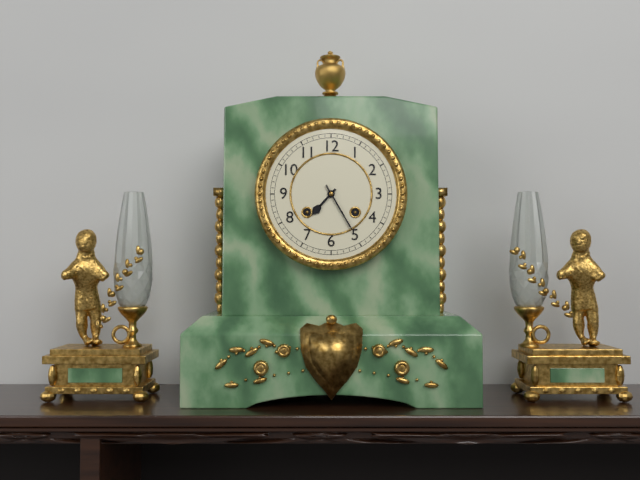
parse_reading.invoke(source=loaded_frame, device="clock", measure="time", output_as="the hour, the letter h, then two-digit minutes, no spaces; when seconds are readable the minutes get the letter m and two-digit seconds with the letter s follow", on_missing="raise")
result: 7h25
